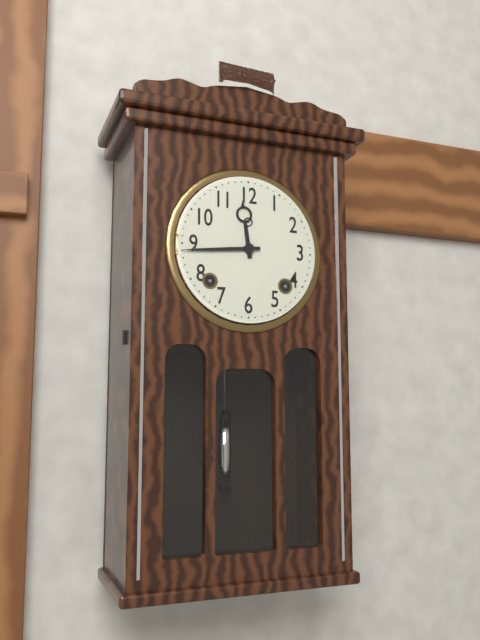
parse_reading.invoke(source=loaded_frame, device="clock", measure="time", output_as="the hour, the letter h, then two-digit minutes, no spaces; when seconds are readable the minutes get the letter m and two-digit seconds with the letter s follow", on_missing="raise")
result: 11h44
